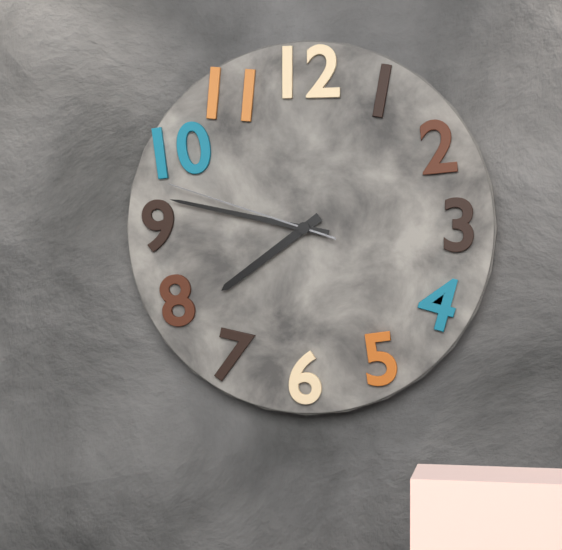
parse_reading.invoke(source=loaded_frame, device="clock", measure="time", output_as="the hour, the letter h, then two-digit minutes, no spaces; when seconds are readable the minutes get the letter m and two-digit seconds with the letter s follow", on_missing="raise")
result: 7h47m48s
